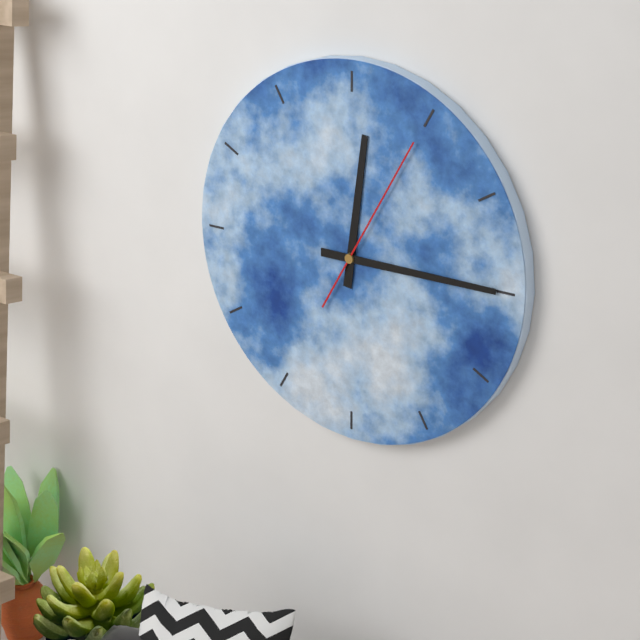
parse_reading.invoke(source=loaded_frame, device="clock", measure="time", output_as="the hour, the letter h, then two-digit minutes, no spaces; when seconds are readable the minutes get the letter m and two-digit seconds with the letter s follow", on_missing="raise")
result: 12h15m05s
